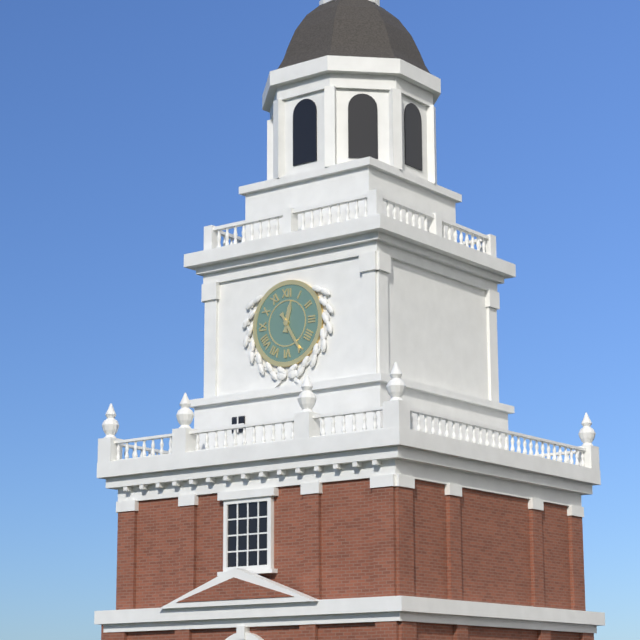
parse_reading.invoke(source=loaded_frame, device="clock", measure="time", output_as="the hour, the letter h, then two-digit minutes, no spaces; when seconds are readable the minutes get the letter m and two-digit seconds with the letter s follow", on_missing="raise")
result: 12h25
